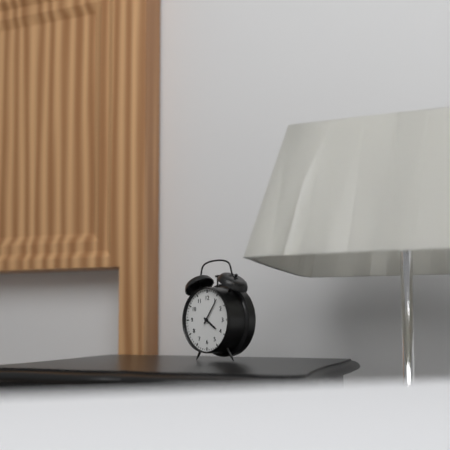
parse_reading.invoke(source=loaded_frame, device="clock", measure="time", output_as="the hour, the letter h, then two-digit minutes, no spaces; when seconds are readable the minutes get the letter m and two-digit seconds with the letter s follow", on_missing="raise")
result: 4h06
